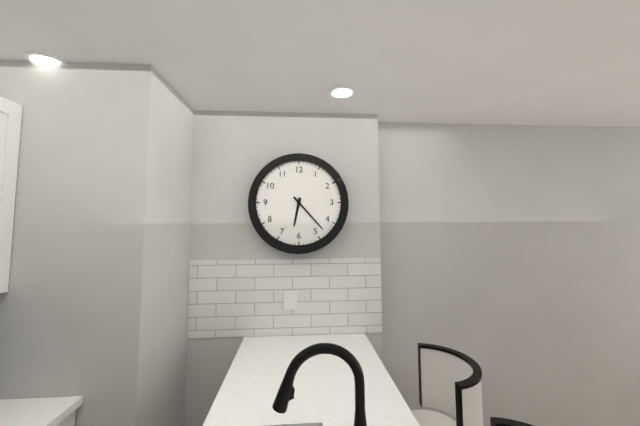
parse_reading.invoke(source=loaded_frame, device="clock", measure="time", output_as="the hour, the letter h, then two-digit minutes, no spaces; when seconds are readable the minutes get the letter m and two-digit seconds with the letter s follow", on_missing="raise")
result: 6h23
